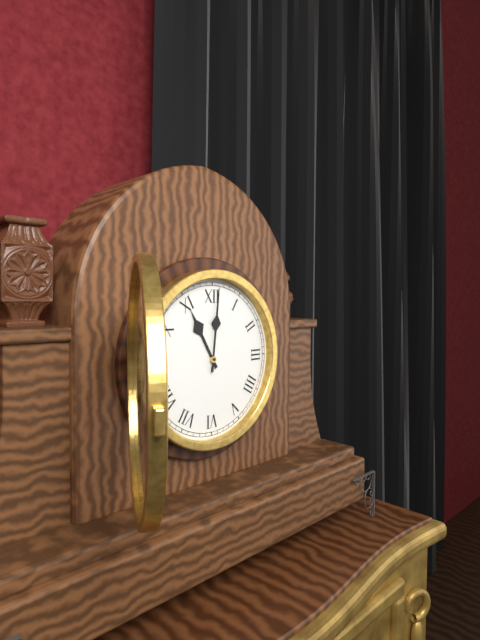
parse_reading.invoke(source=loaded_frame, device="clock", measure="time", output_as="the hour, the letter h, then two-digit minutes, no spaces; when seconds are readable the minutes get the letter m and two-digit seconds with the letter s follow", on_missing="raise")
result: 11h01
